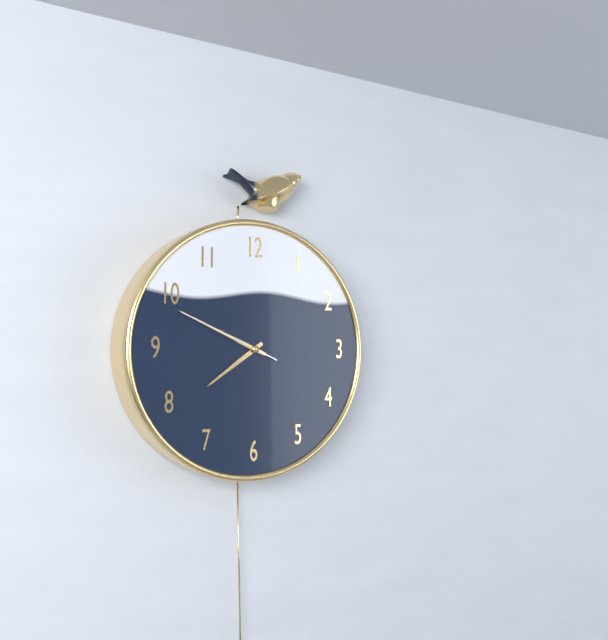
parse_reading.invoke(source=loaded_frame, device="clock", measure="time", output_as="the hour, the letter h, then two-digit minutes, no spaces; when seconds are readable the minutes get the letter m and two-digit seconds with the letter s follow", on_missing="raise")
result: 7h49m49s
